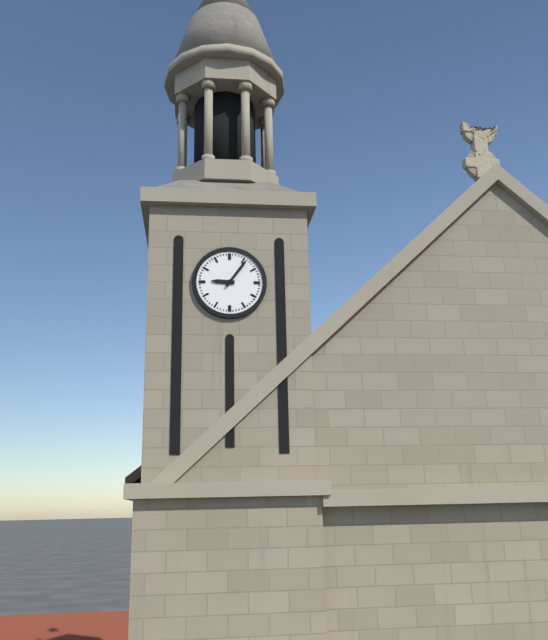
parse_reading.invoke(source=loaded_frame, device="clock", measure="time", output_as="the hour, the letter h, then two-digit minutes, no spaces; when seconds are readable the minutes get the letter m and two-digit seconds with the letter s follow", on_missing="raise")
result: 9h06
